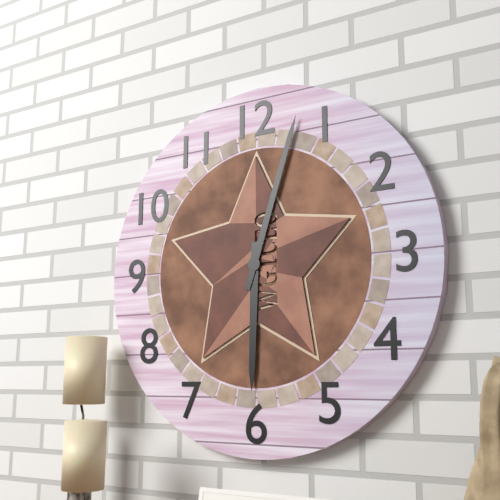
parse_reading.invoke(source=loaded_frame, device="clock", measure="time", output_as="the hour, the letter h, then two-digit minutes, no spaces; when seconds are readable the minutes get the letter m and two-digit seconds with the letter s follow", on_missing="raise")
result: 6h03
